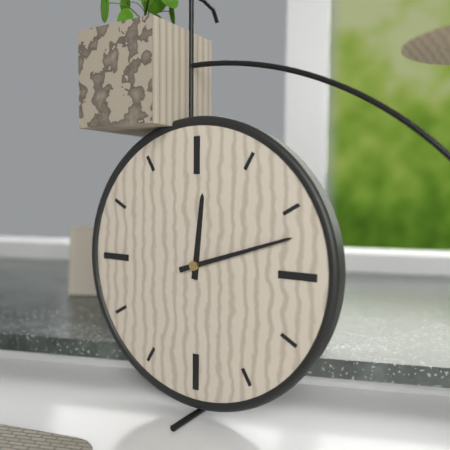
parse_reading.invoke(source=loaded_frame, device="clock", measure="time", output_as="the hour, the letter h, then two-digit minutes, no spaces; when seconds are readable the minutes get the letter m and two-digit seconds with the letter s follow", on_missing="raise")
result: 12h12
